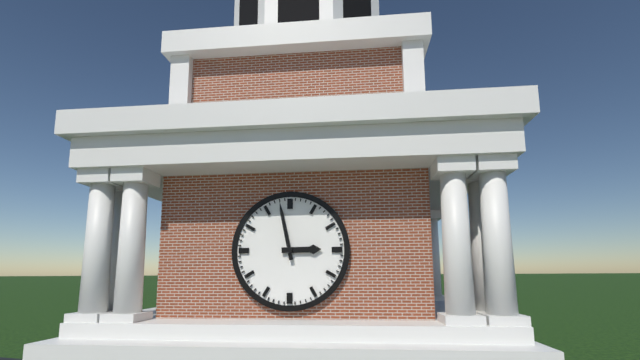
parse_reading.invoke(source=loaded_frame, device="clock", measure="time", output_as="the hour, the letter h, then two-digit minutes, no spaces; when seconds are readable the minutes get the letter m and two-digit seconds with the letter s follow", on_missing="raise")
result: 2h58
